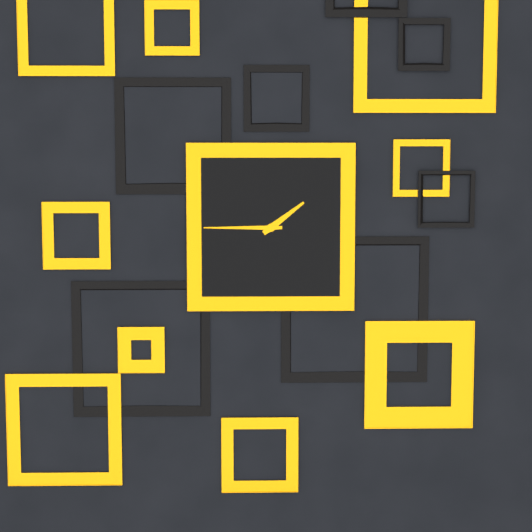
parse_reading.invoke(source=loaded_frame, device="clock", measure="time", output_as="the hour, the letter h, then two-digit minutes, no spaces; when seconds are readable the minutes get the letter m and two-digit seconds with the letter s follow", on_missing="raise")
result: 1h45
